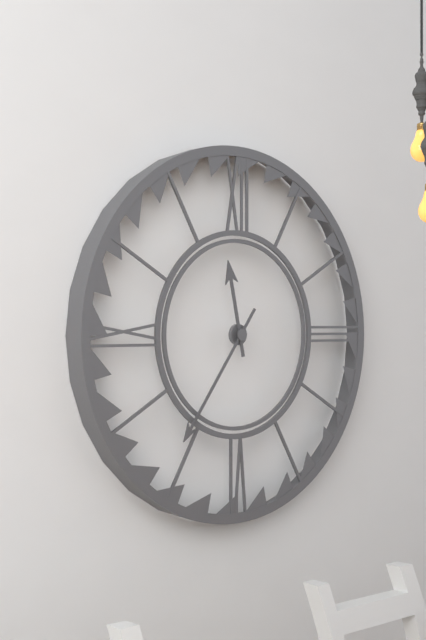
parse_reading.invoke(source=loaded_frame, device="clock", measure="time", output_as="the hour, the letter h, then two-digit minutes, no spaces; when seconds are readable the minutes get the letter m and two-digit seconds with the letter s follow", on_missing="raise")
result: 11h36
